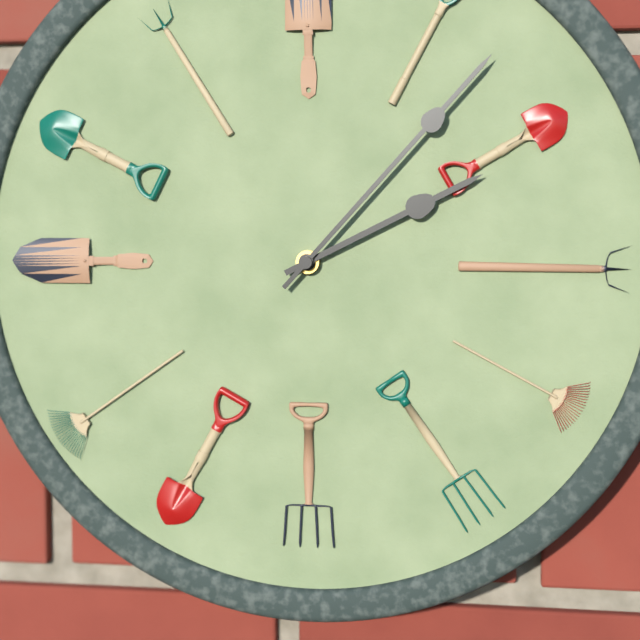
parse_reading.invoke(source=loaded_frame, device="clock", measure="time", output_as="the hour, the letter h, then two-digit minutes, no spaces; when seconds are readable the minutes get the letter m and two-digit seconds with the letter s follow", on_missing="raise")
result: 2h07
